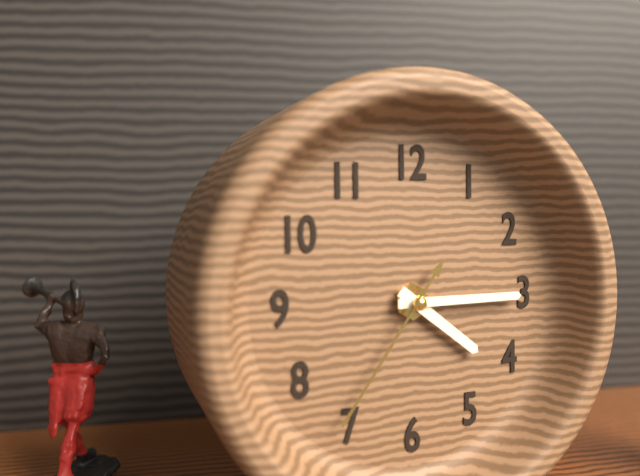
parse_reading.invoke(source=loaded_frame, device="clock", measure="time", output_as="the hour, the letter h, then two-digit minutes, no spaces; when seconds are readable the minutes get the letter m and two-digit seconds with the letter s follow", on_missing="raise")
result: 4h15m36s
